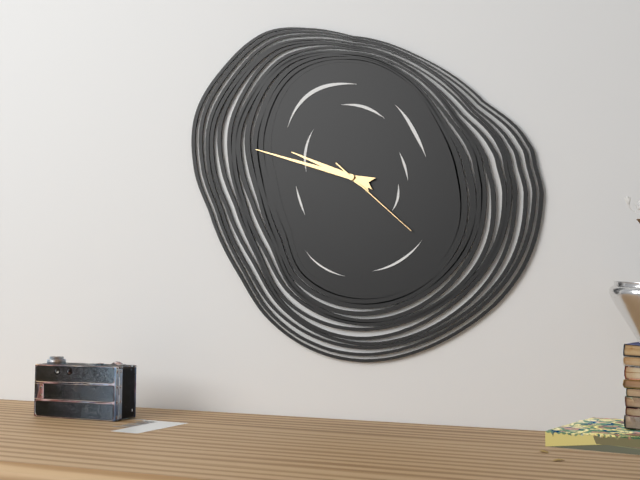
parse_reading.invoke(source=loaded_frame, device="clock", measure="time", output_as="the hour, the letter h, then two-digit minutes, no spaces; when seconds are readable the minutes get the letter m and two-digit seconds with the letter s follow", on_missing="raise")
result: 9h48m22s
